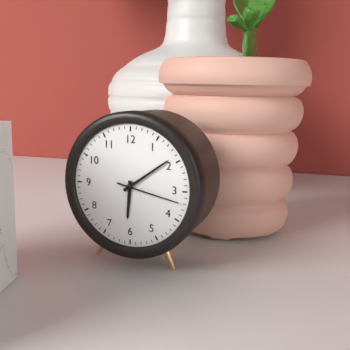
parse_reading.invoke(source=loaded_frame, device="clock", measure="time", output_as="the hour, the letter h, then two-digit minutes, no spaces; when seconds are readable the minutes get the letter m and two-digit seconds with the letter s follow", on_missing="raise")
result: 6h09m17s
